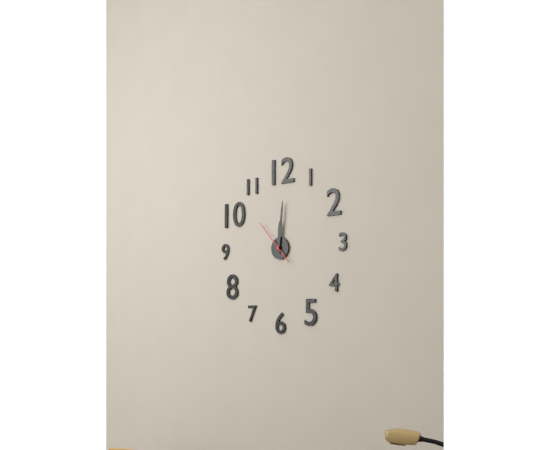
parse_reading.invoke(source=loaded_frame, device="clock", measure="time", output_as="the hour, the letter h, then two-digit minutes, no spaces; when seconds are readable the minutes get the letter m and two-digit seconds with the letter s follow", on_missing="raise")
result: 12h01
